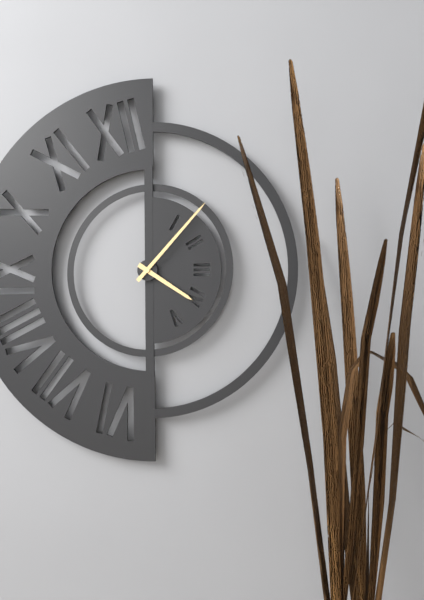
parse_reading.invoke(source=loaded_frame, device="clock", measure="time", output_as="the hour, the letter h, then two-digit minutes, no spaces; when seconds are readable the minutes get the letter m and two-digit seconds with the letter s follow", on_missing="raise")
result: 4h07
